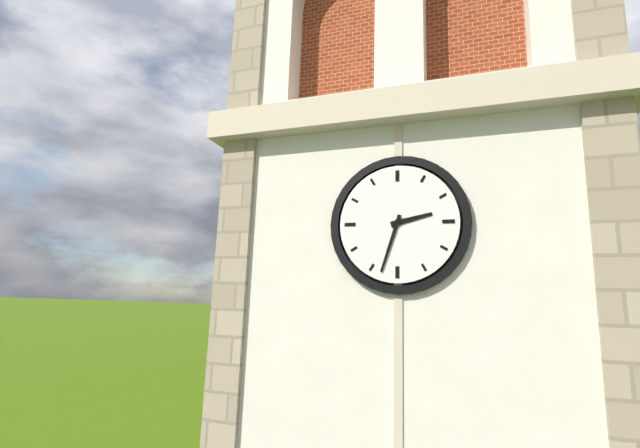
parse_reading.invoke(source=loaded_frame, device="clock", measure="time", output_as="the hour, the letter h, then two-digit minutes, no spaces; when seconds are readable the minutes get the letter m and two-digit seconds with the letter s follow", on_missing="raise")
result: 2h33
